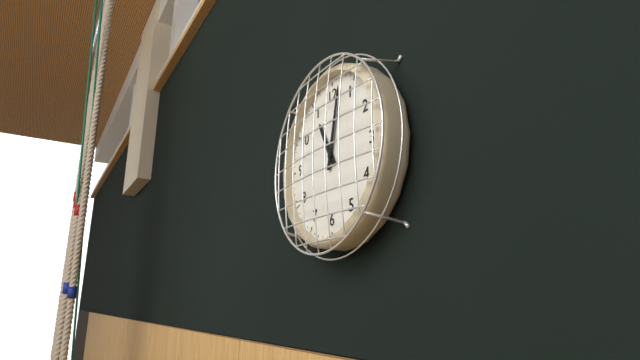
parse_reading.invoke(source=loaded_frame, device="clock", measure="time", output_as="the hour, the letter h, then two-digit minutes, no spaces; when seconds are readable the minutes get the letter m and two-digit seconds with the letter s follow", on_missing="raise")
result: 11h02
